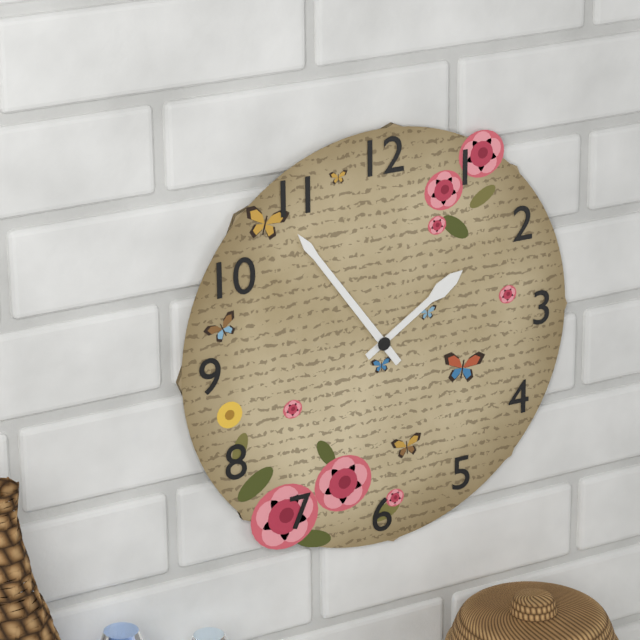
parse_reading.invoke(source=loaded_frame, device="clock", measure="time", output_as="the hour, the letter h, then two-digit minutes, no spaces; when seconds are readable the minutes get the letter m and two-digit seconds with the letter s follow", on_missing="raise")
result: 1h54
